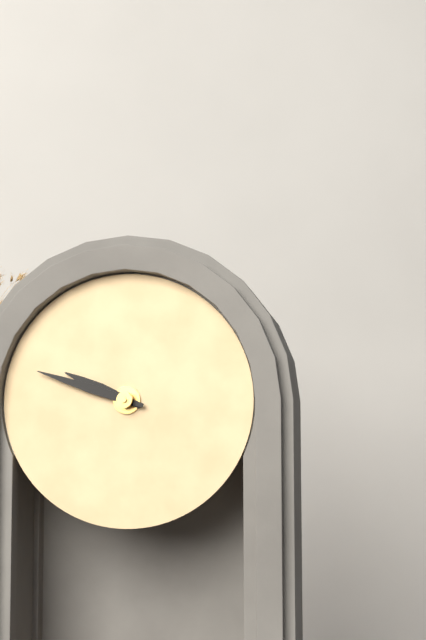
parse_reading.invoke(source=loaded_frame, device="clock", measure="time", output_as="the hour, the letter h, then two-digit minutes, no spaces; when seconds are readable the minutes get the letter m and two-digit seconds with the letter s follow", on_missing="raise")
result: 9h48
